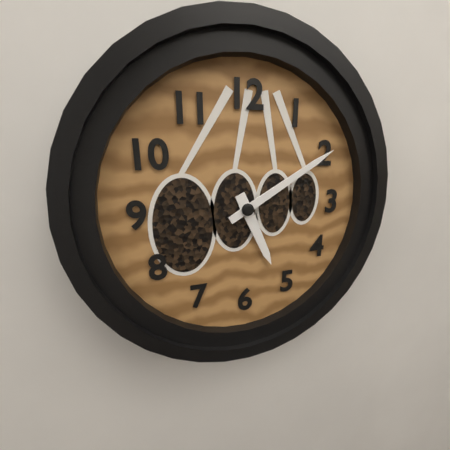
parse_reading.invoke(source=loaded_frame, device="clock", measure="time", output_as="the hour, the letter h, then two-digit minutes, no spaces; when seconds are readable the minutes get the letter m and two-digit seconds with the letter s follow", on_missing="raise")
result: 5h10
